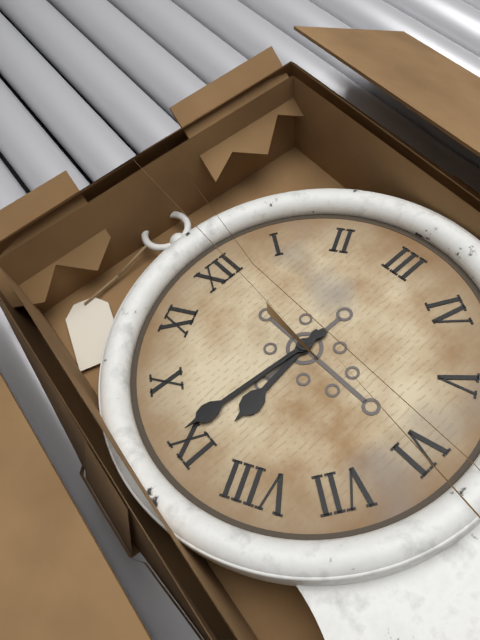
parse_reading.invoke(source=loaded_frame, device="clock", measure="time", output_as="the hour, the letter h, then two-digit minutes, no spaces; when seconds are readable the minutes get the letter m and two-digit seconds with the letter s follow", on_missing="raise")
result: 8h46
